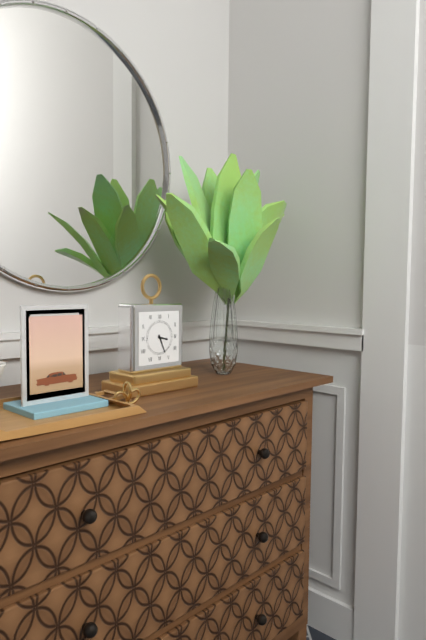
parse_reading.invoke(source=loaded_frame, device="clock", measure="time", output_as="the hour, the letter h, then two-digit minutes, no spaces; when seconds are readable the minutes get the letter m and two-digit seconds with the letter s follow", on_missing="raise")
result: 3h26
